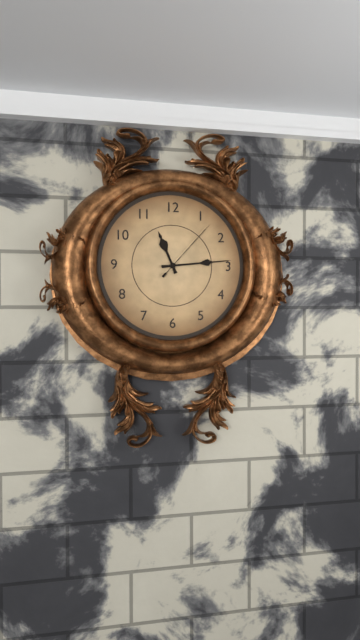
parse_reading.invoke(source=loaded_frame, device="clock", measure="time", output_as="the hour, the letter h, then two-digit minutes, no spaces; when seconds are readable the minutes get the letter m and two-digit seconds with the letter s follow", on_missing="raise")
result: 11h14m07s
